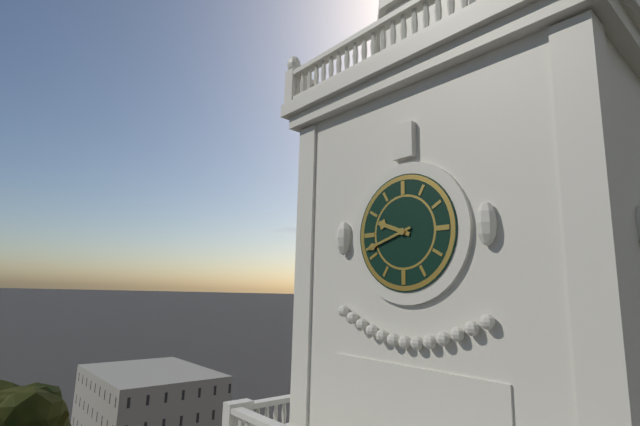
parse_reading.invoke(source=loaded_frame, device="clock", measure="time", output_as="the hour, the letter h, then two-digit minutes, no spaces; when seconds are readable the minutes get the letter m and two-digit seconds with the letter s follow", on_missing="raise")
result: 9h42
